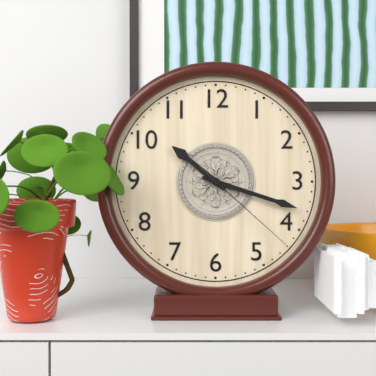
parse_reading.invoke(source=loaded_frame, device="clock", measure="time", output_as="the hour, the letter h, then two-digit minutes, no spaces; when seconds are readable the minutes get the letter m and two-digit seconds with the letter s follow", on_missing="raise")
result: 10h18m22s
